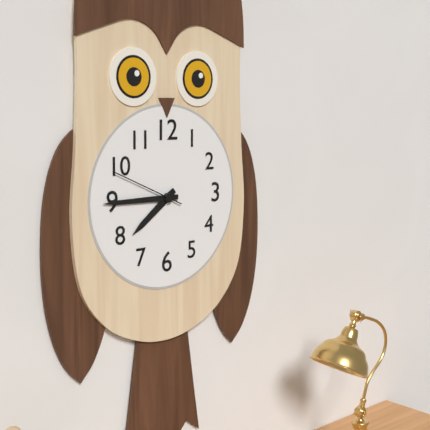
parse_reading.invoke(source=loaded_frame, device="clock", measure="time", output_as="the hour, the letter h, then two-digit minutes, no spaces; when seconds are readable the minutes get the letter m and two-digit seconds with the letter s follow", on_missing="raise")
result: 7h45m49s
